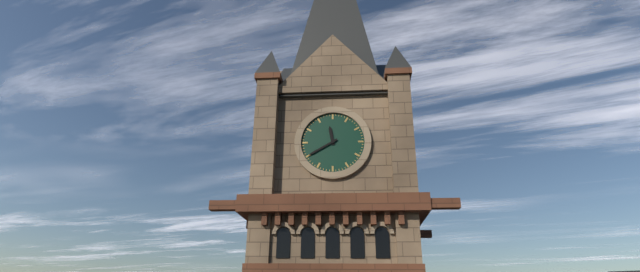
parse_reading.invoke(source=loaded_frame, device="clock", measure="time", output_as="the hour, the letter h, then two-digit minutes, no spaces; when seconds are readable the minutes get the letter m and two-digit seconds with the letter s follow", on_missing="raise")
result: 11h40
